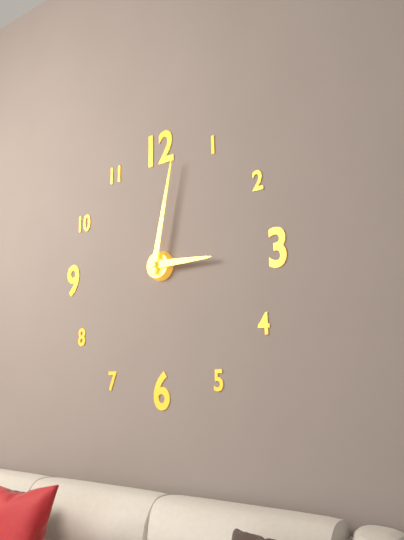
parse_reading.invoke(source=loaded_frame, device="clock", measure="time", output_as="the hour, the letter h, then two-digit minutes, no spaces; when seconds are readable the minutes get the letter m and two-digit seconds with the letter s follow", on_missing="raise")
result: 3h02
